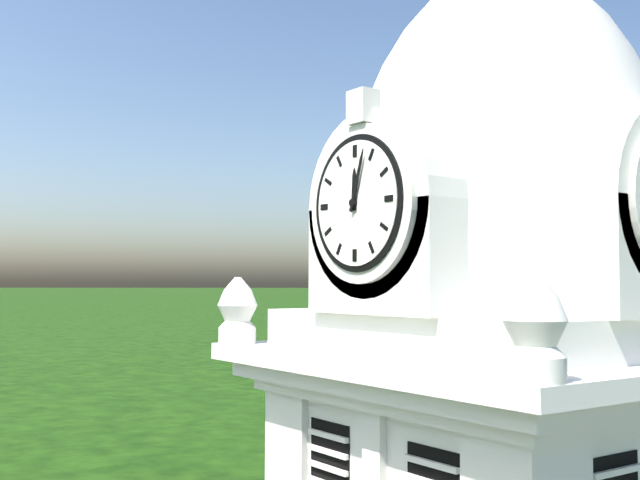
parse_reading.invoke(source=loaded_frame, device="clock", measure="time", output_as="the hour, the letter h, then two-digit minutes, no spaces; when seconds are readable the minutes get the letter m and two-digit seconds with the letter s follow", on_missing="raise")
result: 12h03
